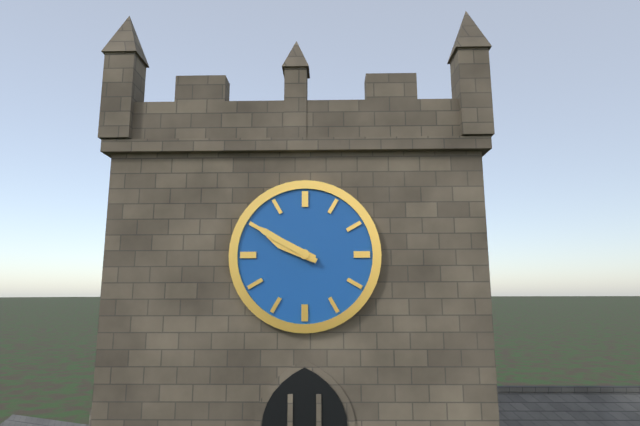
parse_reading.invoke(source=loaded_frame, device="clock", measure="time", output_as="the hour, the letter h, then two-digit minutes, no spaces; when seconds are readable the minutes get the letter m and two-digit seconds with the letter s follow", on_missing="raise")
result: 9h50
